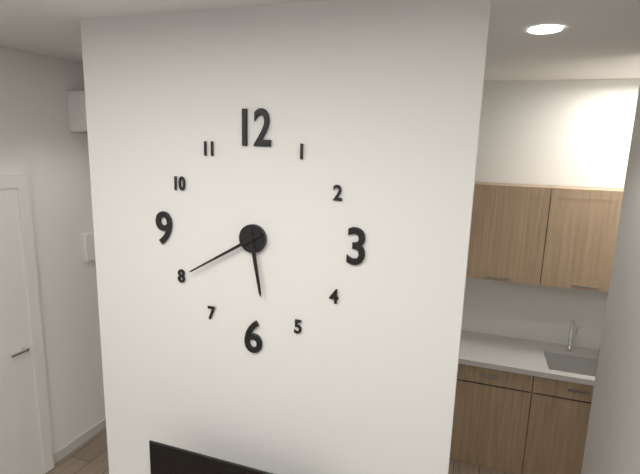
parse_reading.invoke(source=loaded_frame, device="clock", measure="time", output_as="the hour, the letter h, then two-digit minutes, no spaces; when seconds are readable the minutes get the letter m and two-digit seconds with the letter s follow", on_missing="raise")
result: 5h40
